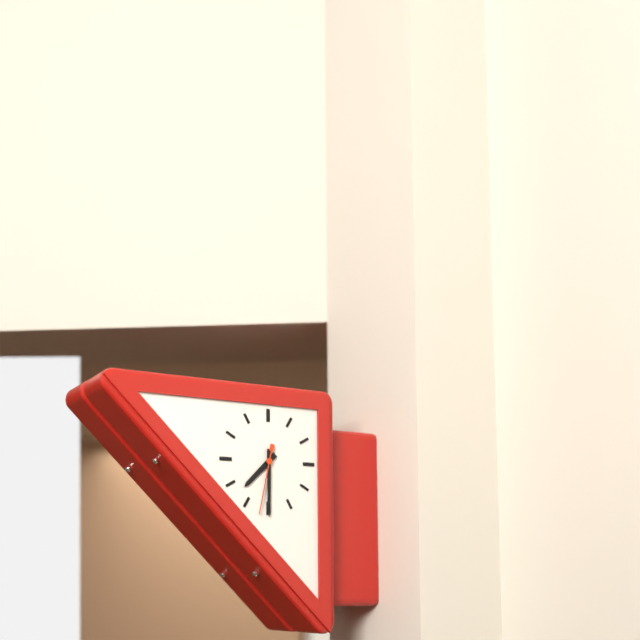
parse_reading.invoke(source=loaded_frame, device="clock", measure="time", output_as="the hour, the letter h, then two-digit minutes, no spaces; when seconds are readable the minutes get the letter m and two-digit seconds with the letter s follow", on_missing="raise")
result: 7h30m32s
